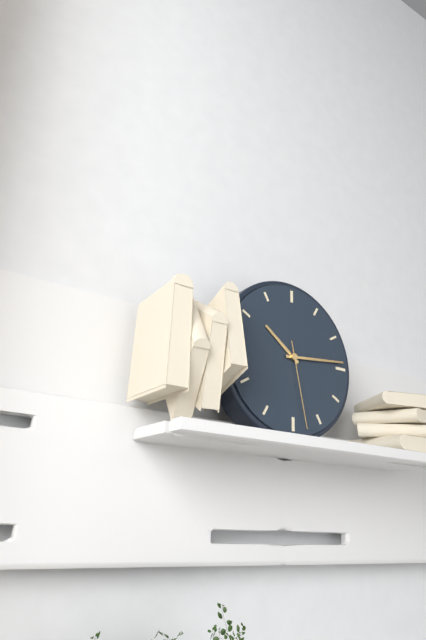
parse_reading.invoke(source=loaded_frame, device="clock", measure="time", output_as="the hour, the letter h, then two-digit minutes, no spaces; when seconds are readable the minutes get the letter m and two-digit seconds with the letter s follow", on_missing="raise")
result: 10h14m28s
